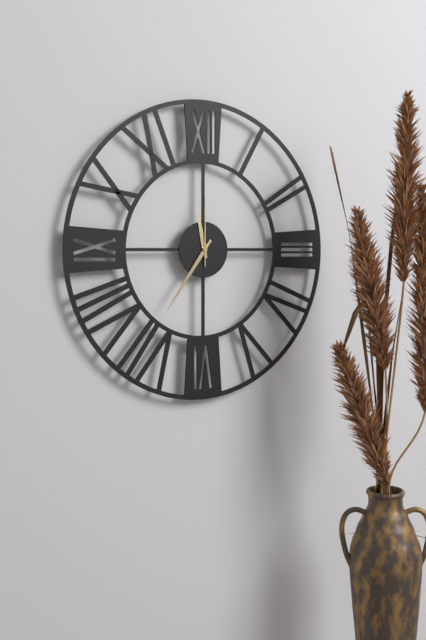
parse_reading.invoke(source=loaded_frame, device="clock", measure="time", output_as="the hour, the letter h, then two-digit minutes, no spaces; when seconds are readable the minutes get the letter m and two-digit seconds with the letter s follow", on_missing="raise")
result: 11h36m00s
